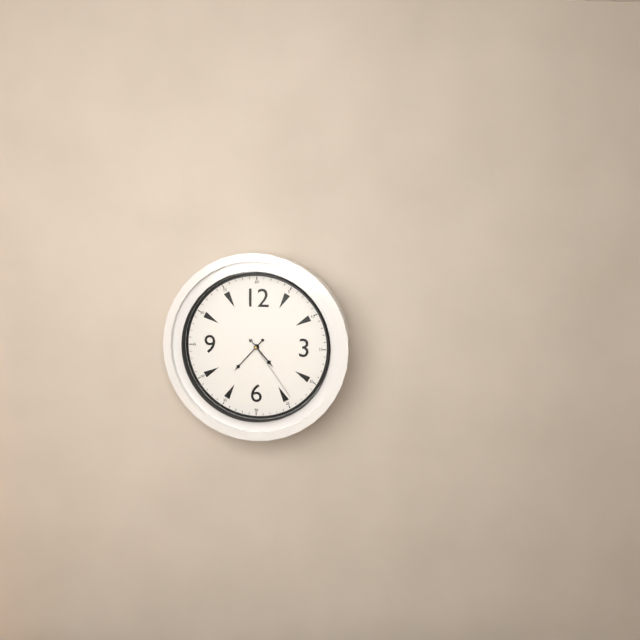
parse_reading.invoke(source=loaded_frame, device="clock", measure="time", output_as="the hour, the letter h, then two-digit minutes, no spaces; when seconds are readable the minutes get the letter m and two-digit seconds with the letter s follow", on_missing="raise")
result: 4h37m24s
